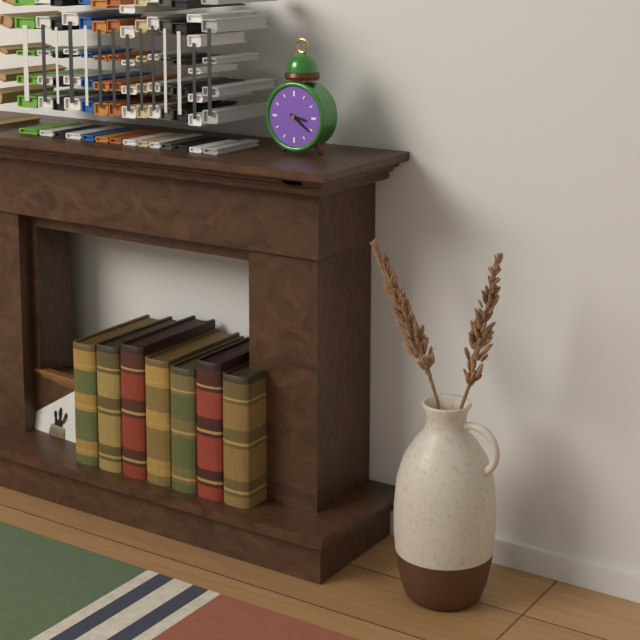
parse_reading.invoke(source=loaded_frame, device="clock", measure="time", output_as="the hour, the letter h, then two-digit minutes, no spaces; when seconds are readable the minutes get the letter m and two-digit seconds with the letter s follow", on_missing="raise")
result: 3h21
